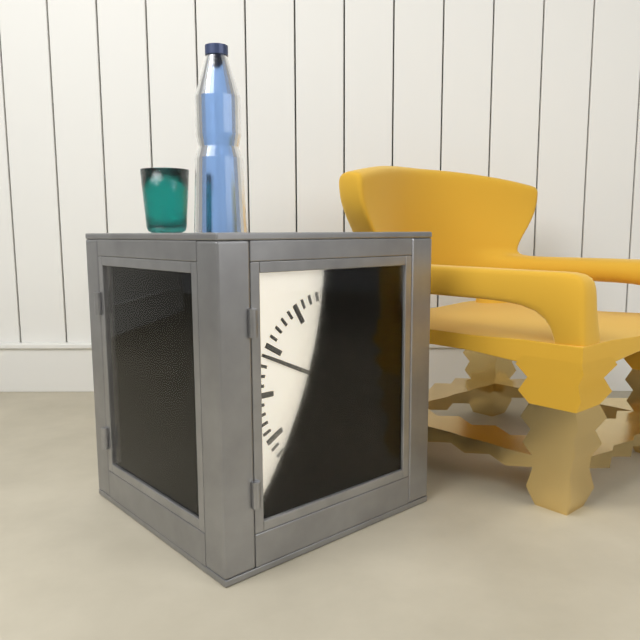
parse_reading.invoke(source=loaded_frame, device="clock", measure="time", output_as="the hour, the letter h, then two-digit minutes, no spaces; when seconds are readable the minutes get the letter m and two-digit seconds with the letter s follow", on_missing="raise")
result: 1h49
